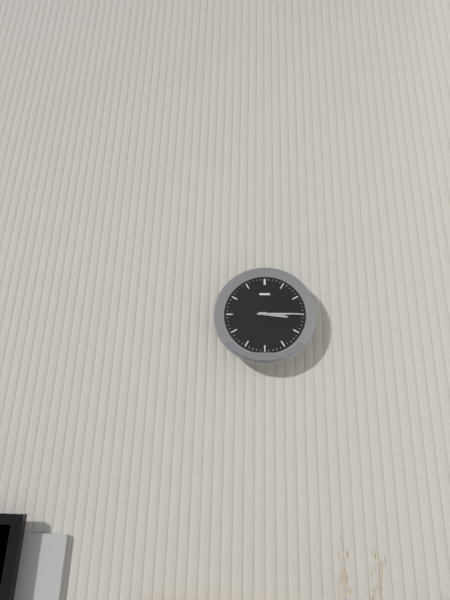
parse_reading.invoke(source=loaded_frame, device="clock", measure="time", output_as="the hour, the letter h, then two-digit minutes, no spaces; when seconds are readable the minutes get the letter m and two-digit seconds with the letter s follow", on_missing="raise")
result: 3h15
